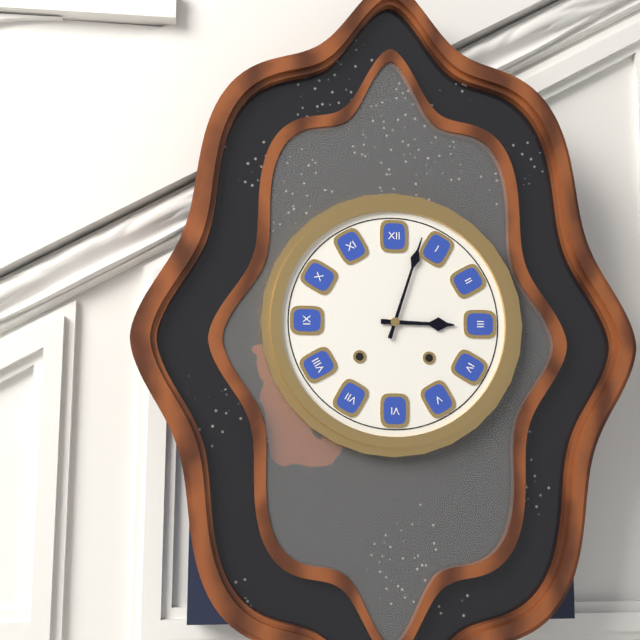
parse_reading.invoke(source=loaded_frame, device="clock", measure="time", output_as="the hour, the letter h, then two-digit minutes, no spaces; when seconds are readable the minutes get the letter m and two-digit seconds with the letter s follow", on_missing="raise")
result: 3h03
